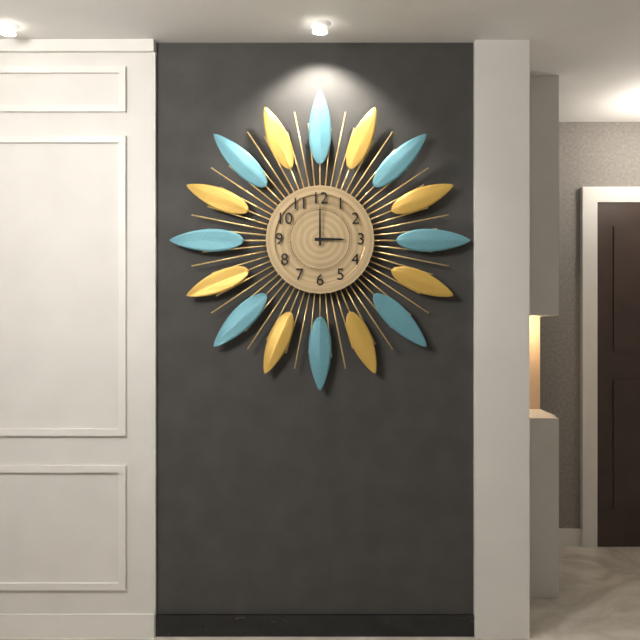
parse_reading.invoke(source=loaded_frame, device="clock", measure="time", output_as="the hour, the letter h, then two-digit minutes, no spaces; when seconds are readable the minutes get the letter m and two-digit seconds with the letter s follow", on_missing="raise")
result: 3h00
